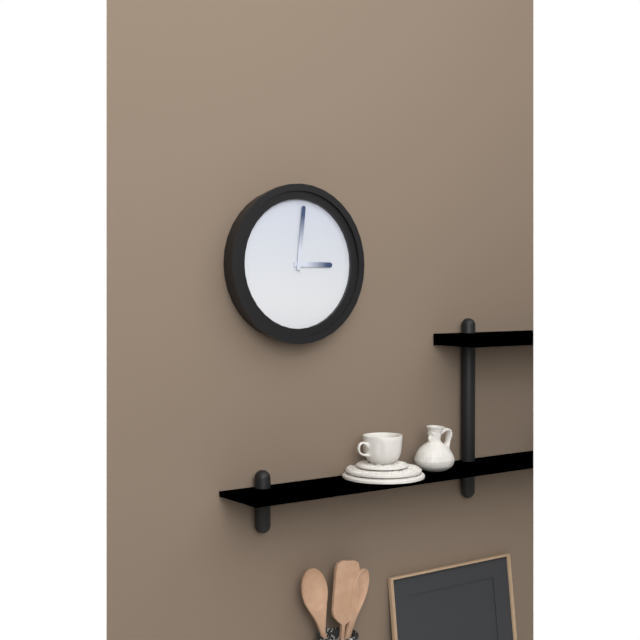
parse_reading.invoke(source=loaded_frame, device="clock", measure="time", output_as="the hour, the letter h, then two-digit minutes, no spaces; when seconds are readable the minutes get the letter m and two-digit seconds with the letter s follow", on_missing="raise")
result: 3h01
